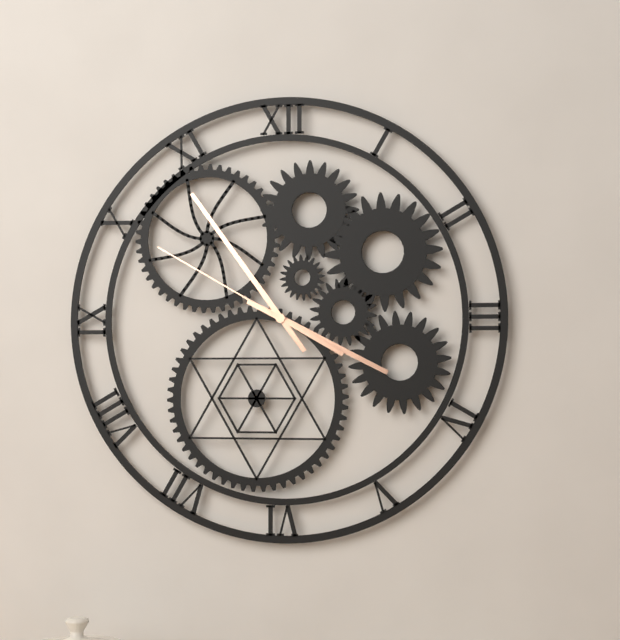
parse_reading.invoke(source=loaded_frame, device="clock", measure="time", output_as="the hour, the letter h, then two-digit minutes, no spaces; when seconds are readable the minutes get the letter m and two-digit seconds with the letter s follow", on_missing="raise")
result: 3h54m50s
